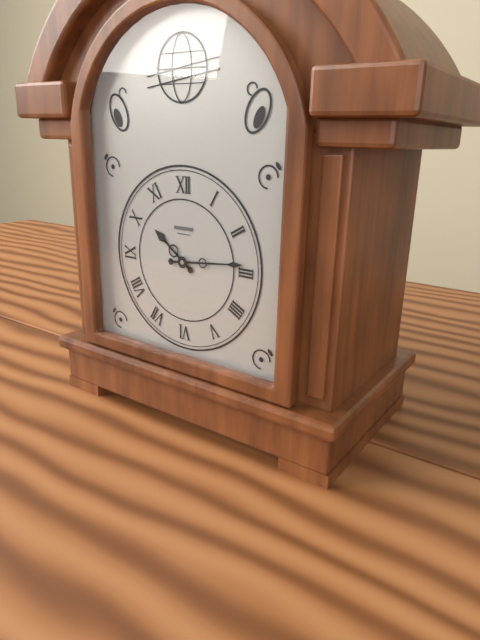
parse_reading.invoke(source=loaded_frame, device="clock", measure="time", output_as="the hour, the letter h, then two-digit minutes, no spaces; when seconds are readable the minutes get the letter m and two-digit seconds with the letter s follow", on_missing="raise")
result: 10h14
